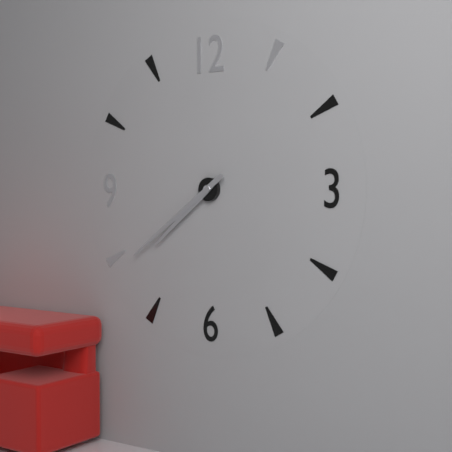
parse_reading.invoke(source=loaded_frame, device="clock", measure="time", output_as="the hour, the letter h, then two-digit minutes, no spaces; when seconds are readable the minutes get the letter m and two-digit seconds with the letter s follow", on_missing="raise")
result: 7h39
